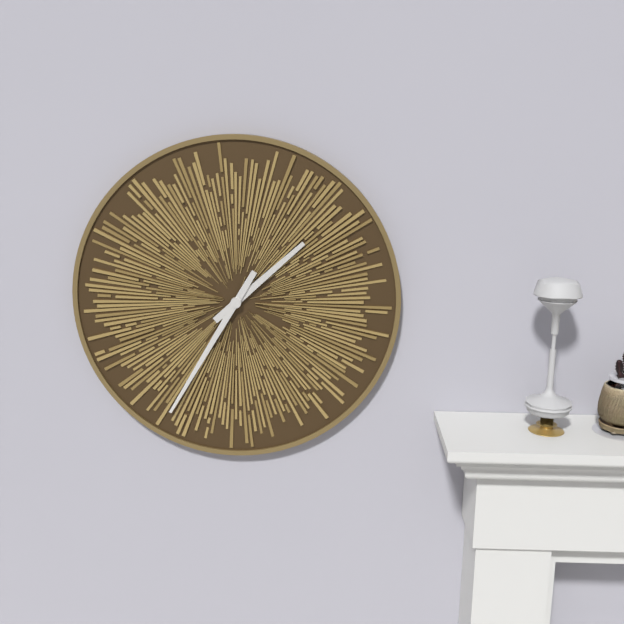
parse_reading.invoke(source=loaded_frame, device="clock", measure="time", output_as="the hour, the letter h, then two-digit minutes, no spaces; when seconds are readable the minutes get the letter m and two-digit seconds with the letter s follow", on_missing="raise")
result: 1h35
